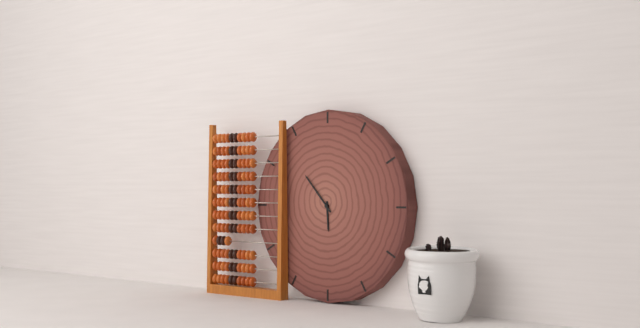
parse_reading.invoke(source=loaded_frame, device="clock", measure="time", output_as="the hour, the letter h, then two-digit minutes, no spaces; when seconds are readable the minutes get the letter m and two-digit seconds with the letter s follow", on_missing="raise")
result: 5h53
